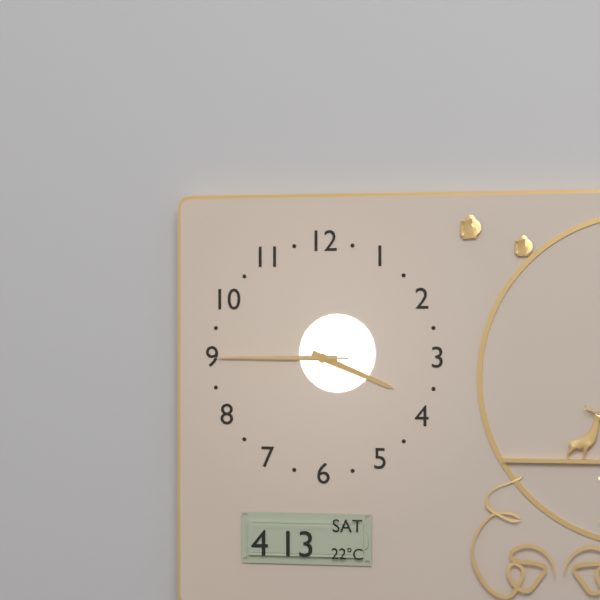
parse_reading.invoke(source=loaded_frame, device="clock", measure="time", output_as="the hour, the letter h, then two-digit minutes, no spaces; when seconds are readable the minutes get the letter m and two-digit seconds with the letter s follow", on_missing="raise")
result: 3h45m45s
